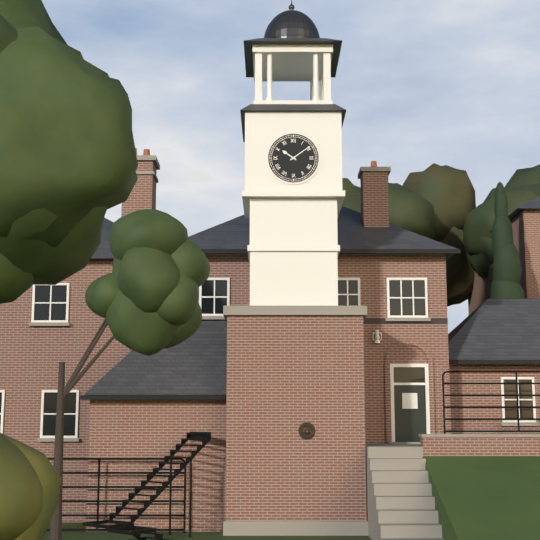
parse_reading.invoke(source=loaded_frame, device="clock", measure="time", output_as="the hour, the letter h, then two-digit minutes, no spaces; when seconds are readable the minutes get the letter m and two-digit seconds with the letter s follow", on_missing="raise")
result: 10h09
